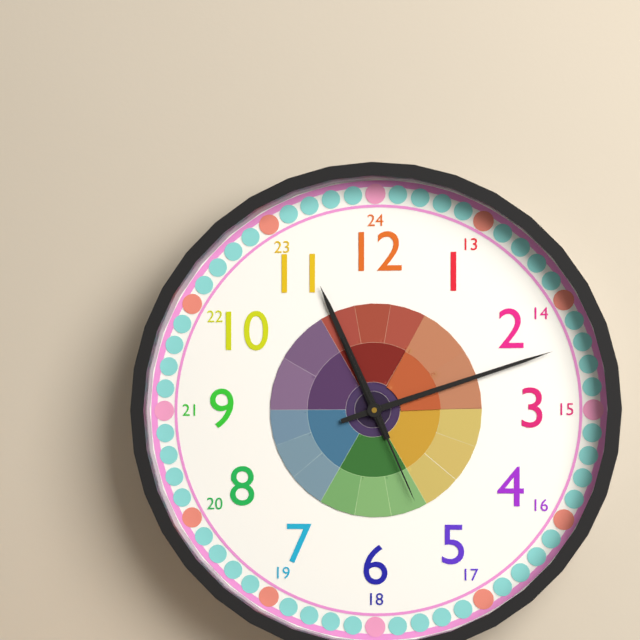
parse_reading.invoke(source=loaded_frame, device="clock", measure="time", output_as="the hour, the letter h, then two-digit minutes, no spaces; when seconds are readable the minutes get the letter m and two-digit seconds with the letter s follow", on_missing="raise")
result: 11h12m26s
